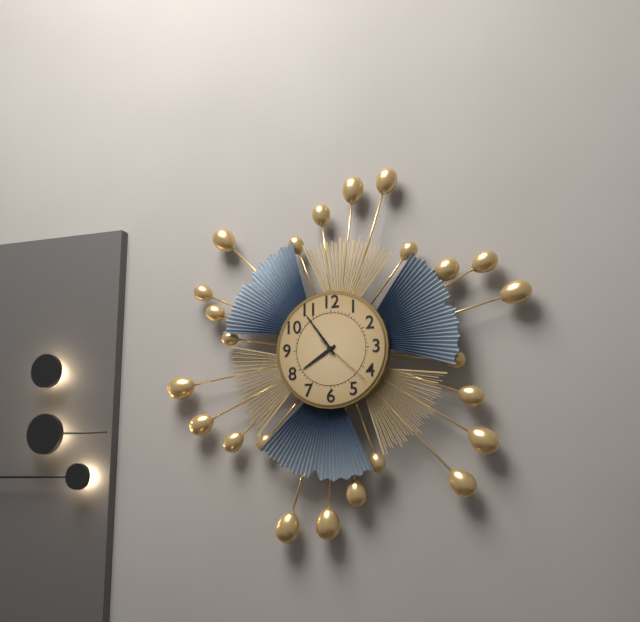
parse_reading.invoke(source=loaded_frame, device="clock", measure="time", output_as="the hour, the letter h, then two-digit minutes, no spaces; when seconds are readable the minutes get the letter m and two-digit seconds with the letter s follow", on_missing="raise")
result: 7h54m22s
